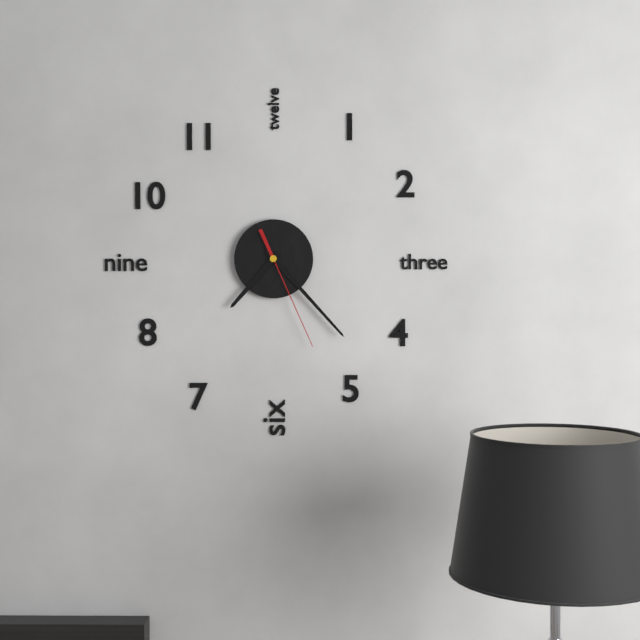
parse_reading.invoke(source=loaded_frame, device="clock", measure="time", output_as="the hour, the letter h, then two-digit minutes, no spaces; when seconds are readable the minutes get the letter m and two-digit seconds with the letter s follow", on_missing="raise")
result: 7h23m26s
